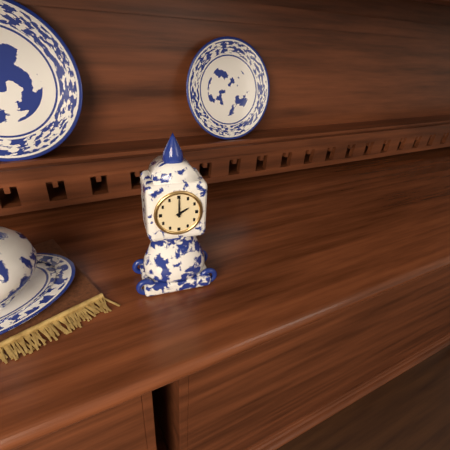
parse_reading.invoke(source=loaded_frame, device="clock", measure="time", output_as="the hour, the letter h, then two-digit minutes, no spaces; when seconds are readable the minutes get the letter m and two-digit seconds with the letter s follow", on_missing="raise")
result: 2h00
